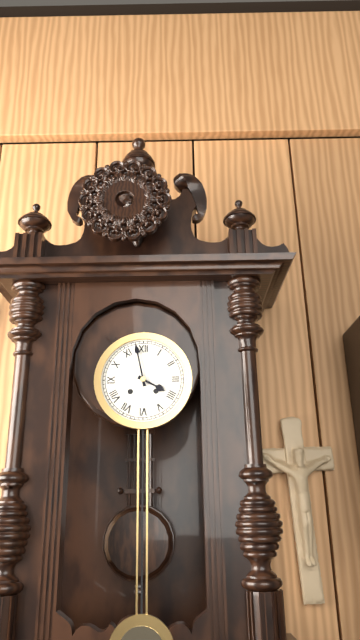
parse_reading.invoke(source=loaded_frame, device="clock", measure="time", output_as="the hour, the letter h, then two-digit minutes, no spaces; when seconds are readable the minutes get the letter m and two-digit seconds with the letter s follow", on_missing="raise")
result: 3h58
